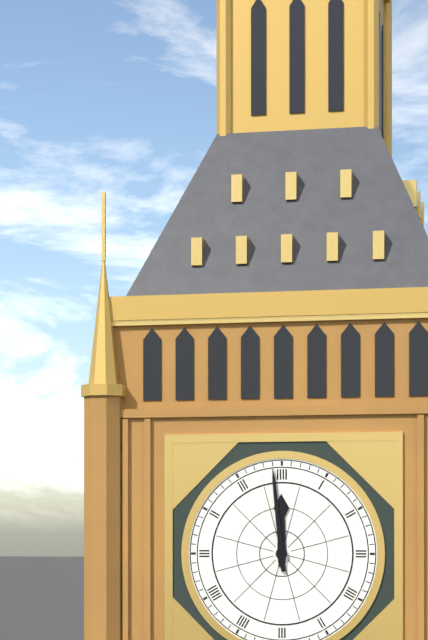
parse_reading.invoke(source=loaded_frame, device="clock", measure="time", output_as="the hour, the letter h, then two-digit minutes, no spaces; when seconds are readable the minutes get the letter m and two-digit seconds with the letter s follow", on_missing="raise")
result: 11h59
